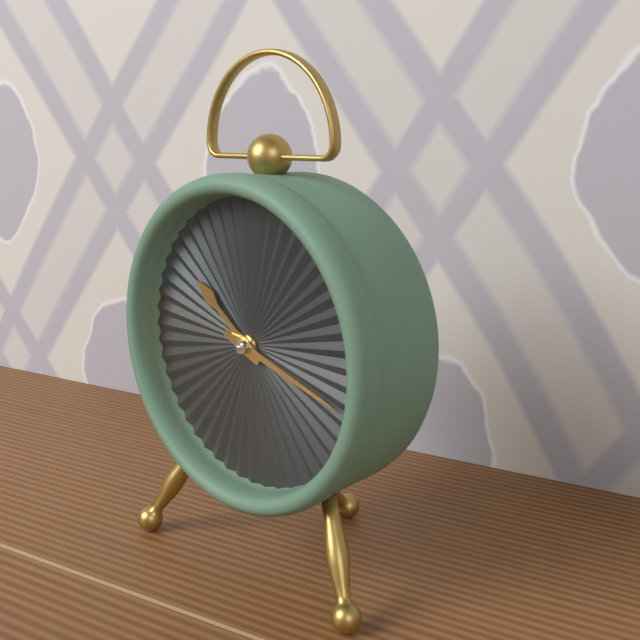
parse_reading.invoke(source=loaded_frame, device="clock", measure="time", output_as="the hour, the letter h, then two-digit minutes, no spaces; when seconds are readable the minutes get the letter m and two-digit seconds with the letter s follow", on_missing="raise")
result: 10h18
